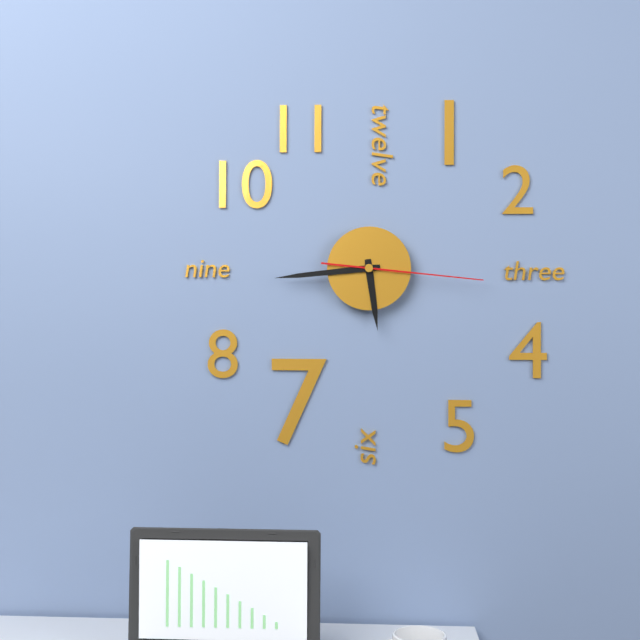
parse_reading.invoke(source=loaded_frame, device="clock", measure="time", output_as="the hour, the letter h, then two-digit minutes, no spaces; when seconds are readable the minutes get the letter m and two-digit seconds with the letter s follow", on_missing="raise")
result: 5h44m16s
